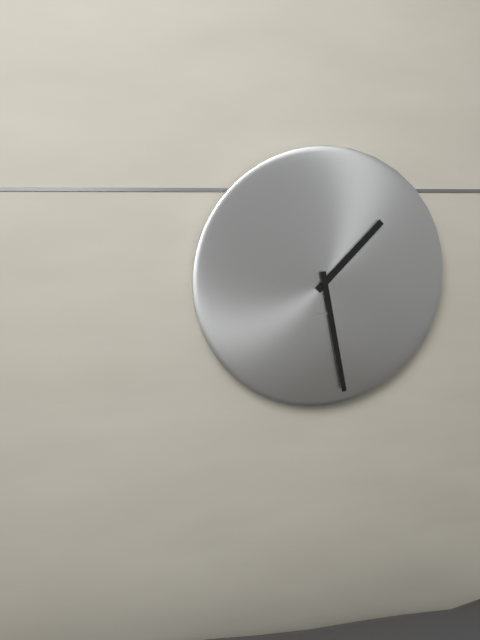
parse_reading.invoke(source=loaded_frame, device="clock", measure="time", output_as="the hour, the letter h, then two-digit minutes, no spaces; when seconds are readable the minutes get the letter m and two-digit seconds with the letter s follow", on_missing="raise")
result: 1h28
